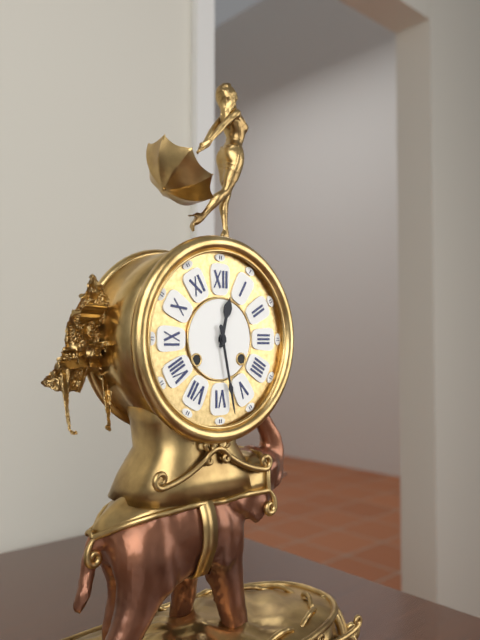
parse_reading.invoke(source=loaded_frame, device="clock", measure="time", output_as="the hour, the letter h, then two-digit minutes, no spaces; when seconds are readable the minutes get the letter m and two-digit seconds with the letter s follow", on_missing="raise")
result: 12h28
